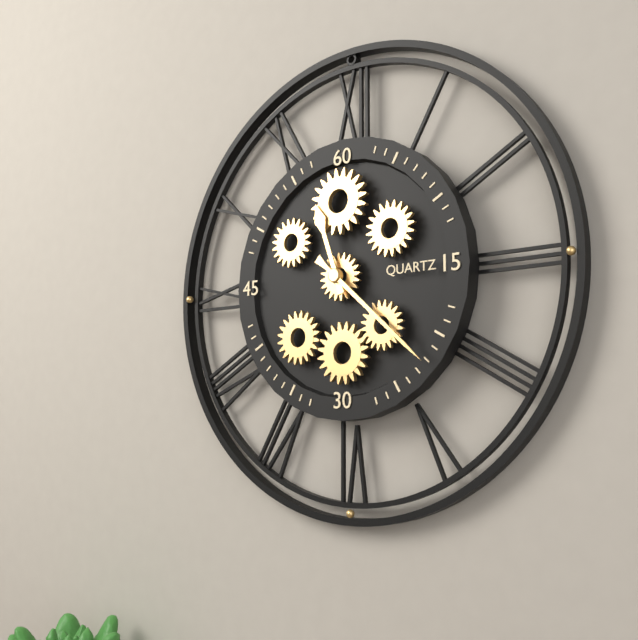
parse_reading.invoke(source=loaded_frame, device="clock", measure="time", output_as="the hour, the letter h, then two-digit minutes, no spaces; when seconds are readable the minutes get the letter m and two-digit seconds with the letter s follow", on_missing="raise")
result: 11h22
